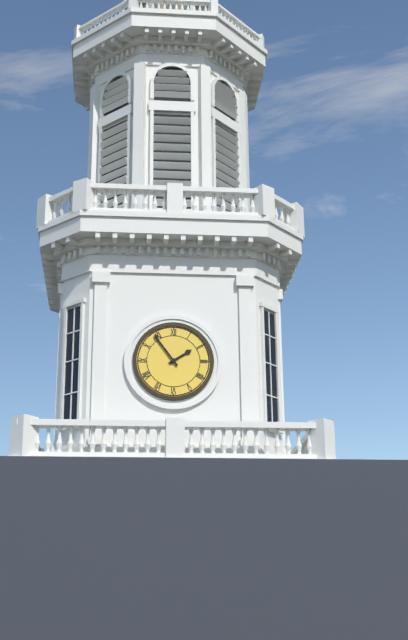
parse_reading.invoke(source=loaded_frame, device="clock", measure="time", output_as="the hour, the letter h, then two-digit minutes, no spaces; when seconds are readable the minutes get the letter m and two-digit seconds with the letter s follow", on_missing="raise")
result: 1h54
